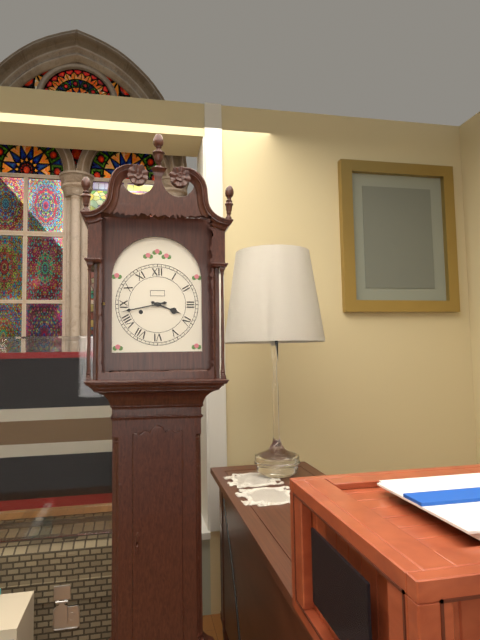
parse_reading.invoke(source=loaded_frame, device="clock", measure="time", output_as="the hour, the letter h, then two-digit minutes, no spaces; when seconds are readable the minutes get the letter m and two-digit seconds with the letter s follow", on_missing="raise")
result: 3h43
